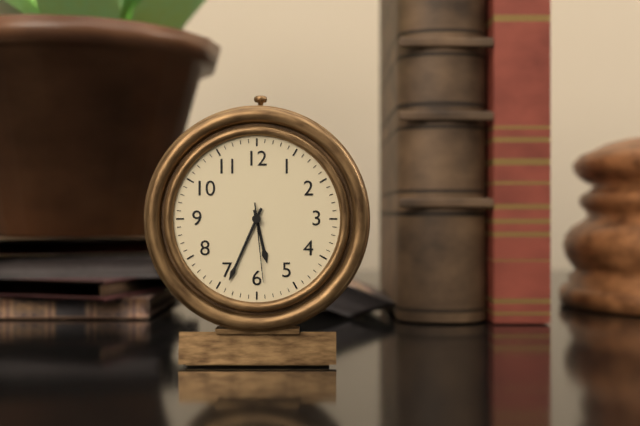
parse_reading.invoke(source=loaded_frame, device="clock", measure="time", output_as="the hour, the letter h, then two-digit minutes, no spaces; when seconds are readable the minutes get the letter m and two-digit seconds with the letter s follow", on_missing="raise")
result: 5h34m29s
